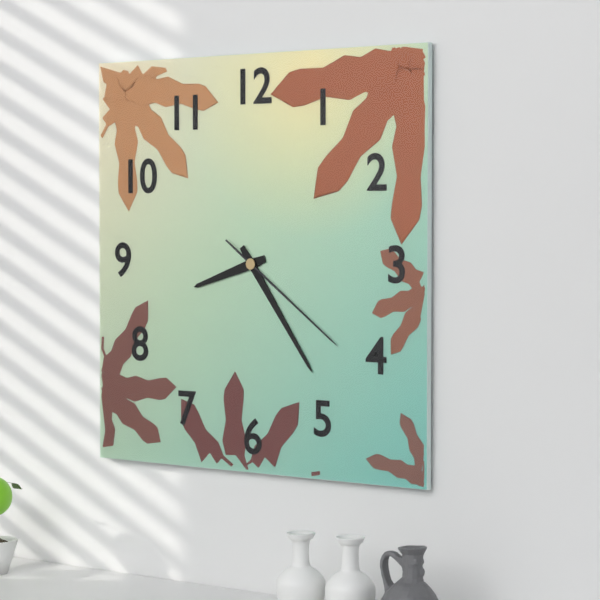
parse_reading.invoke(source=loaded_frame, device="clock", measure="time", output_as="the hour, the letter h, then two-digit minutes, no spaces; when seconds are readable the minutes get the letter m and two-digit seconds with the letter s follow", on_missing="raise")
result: 8h24m21s
